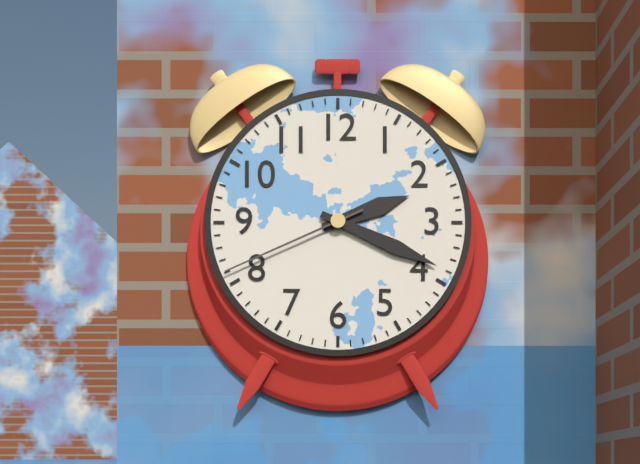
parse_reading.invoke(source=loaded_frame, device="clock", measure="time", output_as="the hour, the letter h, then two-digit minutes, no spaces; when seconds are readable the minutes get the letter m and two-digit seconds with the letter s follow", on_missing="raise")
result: 2h19m41s
